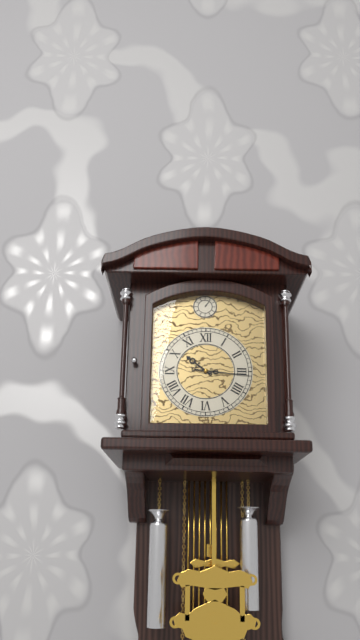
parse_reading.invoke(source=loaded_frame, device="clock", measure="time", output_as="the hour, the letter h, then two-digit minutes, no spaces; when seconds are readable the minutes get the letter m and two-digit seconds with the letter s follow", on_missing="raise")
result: 10h16
